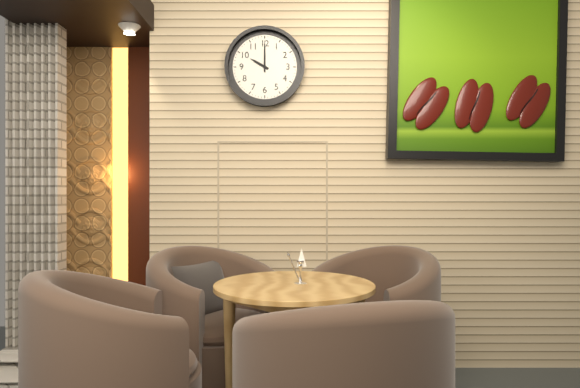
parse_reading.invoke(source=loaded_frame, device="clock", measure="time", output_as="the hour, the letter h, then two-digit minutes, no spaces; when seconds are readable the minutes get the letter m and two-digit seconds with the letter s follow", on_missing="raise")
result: 10h00
